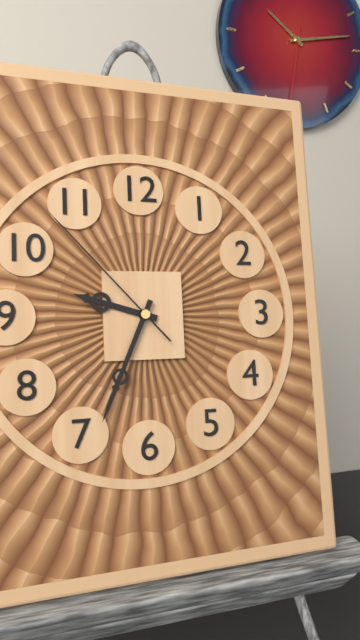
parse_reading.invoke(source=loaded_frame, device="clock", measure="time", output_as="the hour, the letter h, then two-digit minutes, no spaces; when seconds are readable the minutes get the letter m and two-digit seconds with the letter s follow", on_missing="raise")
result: 9h34m53s
